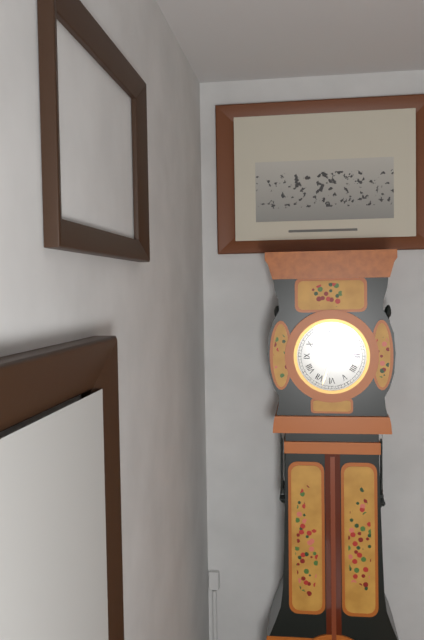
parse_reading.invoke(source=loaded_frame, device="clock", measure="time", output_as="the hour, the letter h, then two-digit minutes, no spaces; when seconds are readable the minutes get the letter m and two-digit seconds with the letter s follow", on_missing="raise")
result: 10h33
